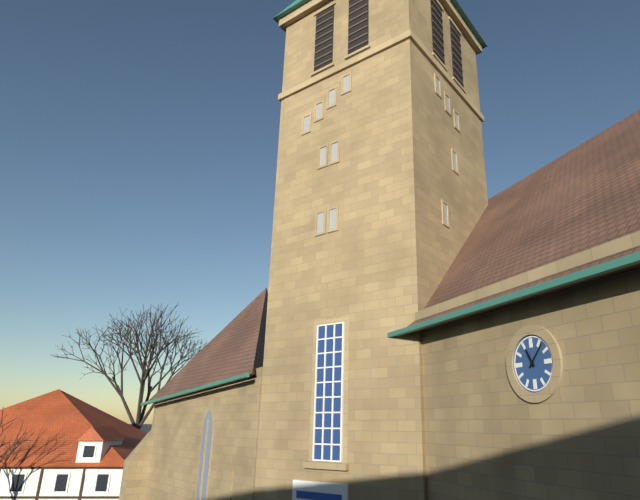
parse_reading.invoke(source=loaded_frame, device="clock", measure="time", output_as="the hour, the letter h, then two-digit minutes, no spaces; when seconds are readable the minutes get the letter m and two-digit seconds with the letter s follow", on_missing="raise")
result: 11h07
